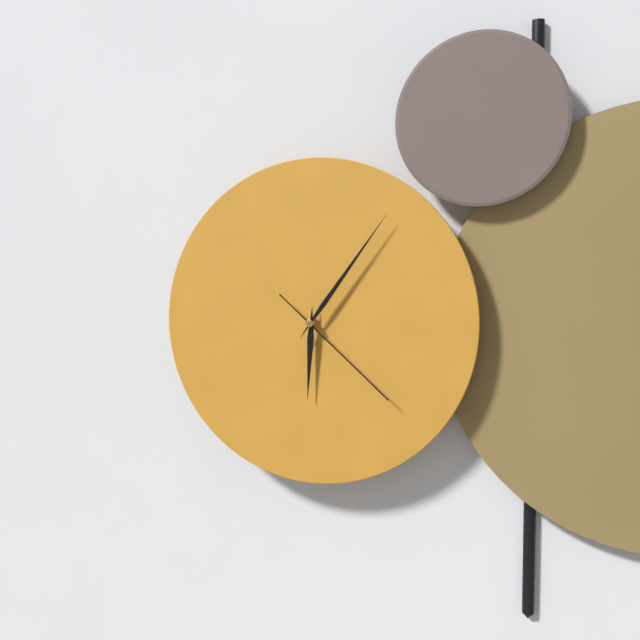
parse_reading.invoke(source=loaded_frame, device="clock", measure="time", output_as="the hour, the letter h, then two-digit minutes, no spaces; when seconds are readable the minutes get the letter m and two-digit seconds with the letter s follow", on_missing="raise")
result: 6h06m22s
